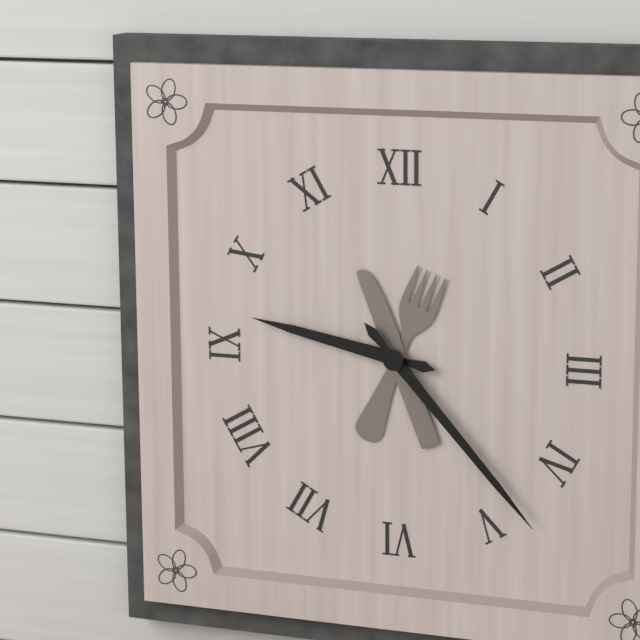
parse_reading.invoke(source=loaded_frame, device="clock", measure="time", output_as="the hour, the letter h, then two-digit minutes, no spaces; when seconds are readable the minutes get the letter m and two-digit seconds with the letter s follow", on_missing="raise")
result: 9h23
